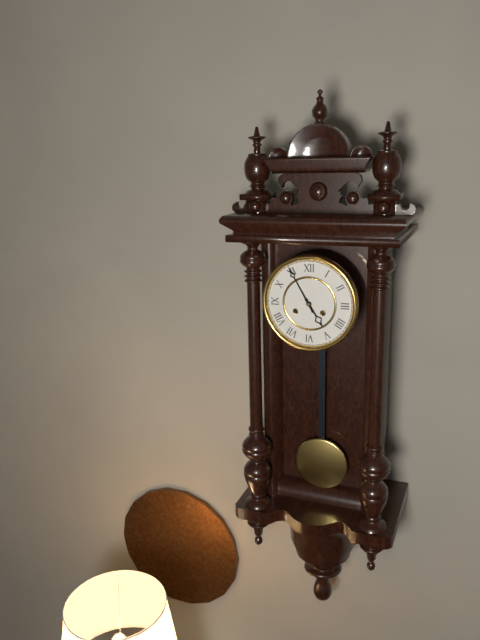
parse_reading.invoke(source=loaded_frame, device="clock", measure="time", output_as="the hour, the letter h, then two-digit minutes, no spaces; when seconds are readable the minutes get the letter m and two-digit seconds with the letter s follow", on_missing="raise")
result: 4h55
